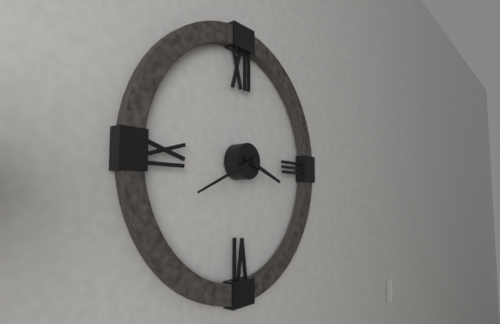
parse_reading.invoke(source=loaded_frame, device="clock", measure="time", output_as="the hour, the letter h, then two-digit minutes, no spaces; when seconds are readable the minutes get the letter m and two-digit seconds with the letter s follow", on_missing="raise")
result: 3h41
